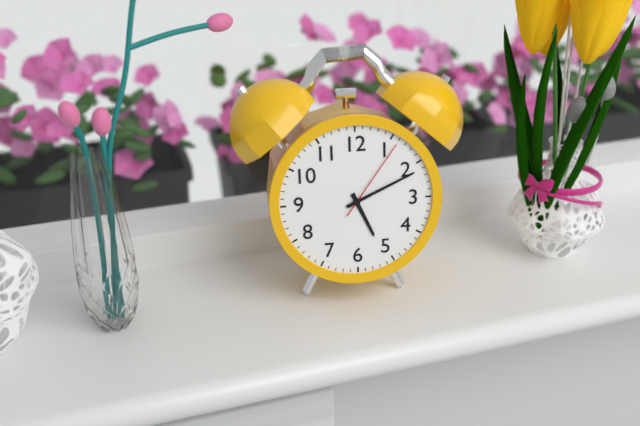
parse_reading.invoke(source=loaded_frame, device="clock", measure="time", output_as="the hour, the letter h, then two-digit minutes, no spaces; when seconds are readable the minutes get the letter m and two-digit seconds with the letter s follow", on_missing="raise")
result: 5h11m06s
